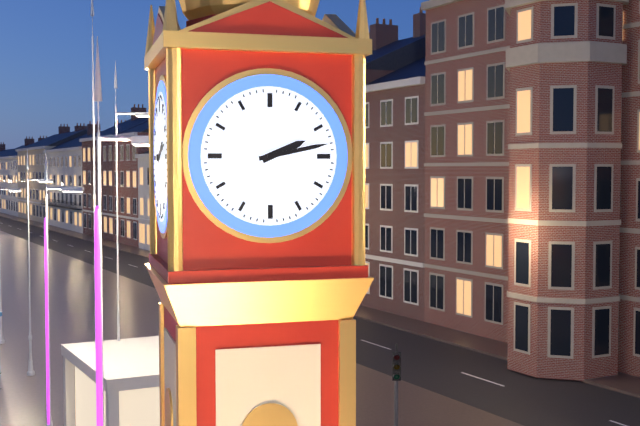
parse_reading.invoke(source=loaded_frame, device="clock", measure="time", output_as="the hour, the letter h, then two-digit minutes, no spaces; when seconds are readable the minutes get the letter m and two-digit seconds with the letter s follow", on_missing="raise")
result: 2h13
